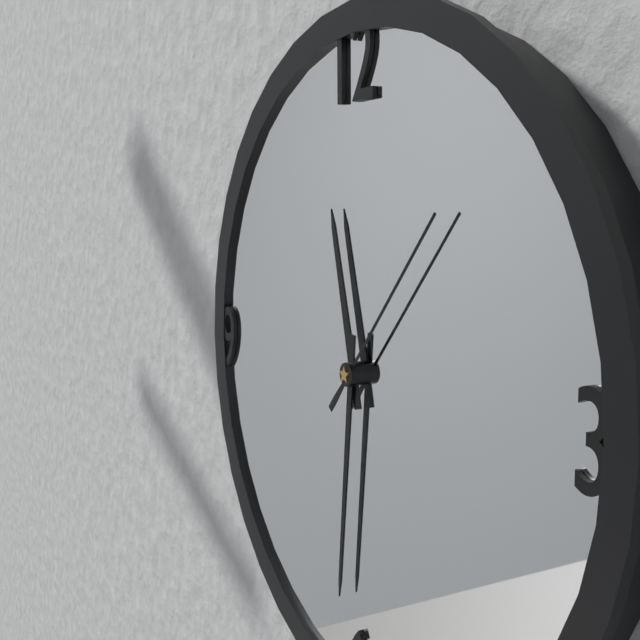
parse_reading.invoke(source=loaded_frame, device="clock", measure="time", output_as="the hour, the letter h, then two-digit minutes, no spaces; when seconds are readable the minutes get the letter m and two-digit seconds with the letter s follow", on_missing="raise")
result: 11h31m07s
